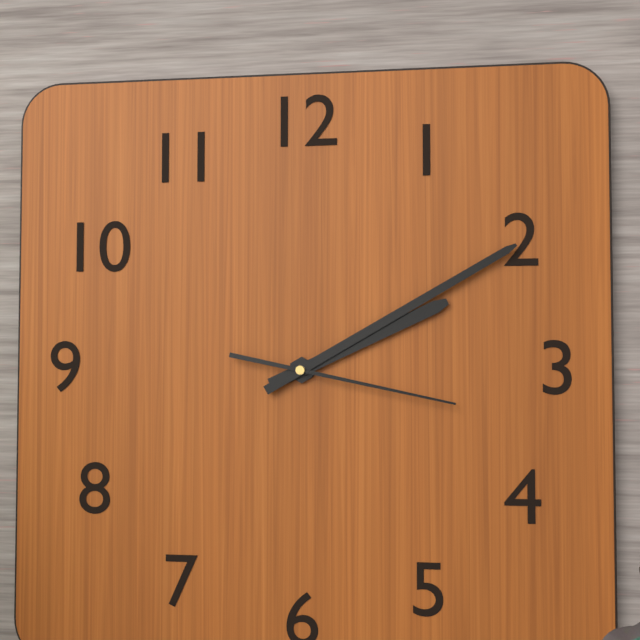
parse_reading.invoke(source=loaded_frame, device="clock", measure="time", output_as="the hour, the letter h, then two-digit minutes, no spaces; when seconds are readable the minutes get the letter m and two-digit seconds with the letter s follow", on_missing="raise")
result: 2h10m17s
